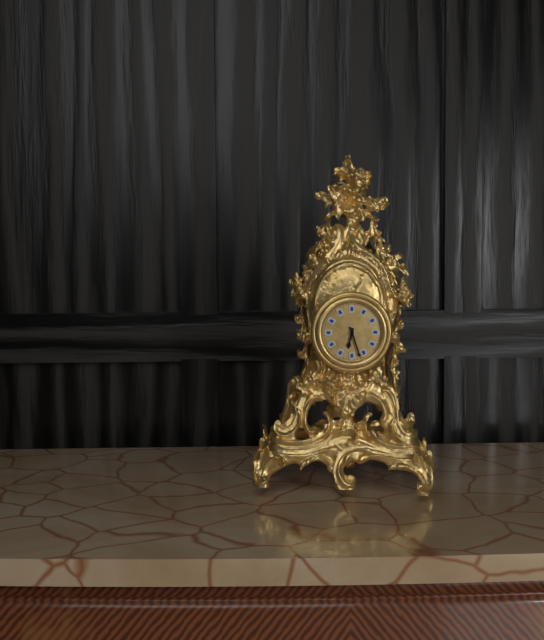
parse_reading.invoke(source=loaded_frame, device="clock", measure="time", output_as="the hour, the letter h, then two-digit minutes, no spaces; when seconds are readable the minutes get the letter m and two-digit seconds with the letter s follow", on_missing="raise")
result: 6h27
